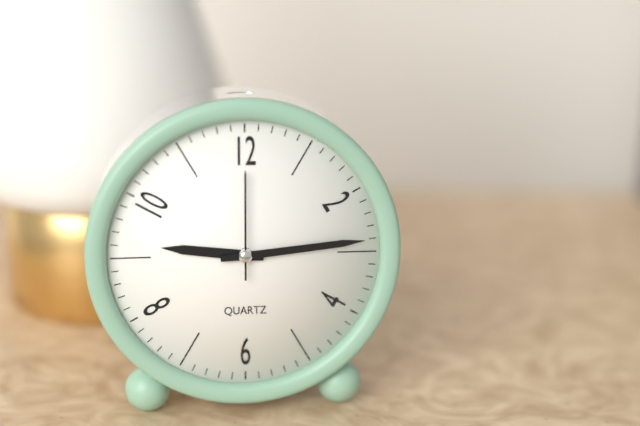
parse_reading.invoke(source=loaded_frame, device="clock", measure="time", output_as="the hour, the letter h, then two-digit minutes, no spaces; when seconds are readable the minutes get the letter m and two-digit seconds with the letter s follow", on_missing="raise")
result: 9h14m00s
